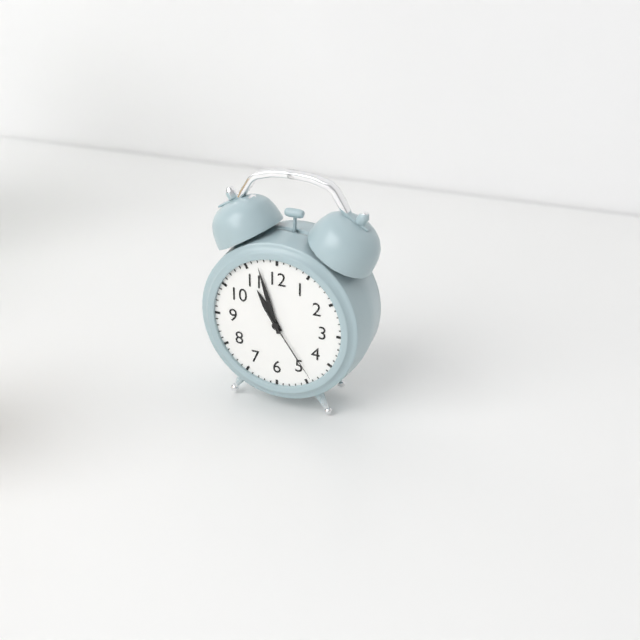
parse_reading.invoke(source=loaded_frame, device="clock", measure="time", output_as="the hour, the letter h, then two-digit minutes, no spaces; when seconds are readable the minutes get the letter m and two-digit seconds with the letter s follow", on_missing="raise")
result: 10h57m24s
